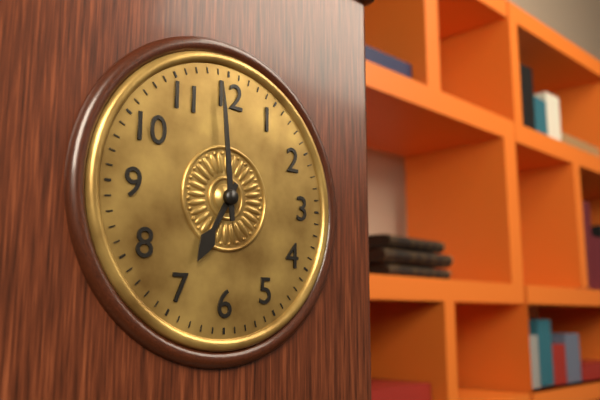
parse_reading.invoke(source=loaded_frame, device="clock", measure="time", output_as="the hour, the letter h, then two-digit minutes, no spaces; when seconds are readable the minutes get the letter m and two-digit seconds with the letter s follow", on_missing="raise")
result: 6h59
